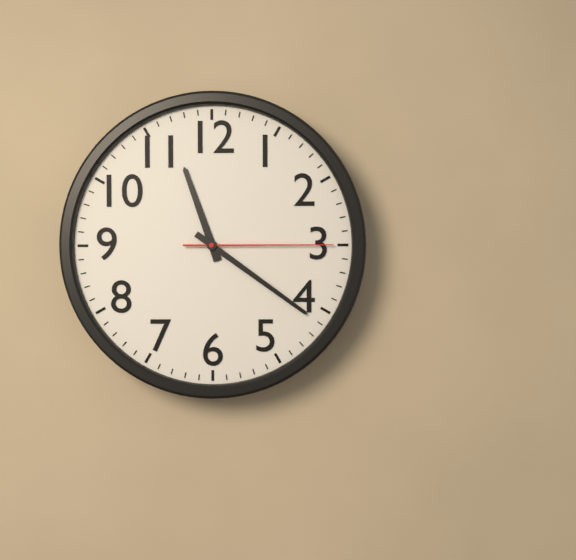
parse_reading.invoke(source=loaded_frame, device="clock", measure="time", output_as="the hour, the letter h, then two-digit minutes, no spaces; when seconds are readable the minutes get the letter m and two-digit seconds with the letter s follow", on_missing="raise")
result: 11h21m15s
